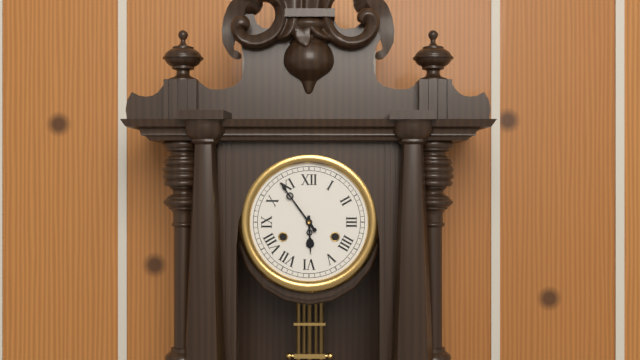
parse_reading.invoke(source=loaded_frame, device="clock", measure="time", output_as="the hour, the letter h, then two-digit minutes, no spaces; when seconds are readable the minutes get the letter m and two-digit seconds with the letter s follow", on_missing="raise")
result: 5h54
